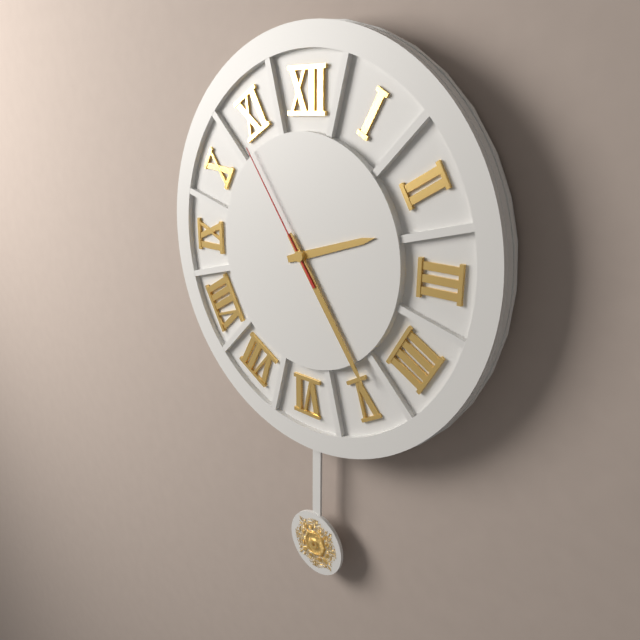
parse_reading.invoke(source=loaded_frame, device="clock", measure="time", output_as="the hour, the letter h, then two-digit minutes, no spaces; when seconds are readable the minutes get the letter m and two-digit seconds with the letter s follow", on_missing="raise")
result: 2h24m54s
